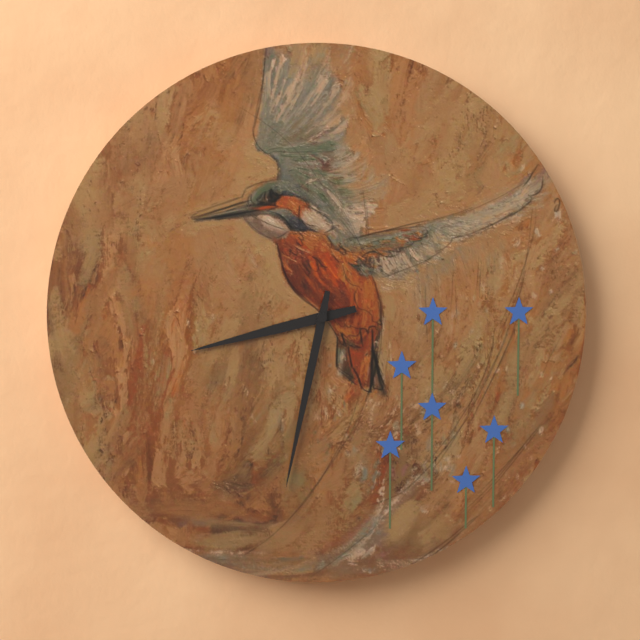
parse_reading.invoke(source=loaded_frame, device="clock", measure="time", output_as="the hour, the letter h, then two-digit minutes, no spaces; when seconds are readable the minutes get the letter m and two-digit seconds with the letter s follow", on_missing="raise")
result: 8h32
